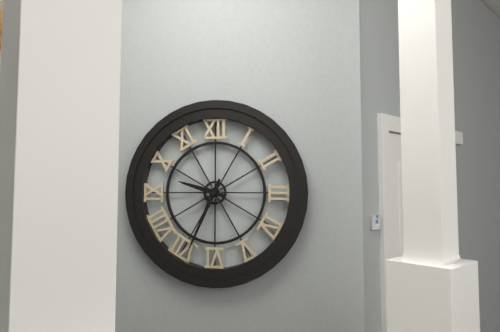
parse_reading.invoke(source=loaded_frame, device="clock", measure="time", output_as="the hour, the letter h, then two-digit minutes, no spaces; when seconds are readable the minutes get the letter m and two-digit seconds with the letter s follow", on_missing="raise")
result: 9h34
